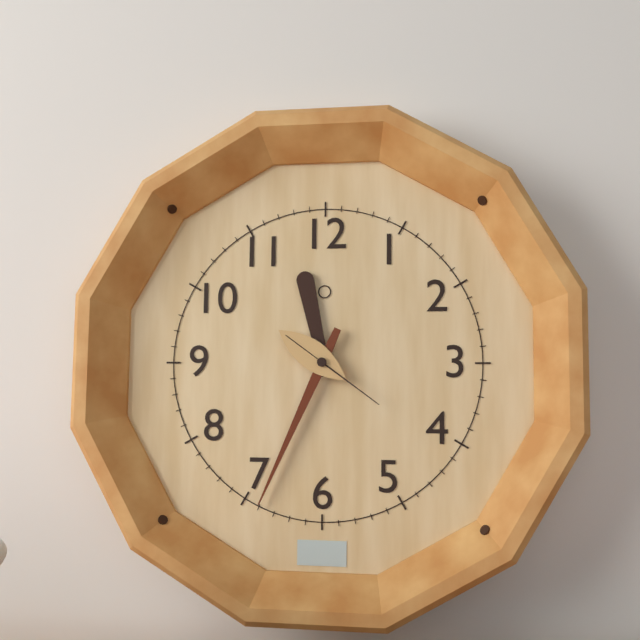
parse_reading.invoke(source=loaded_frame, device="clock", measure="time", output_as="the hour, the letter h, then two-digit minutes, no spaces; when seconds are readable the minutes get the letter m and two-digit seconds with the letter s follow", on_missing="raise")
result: 11h34m21s
